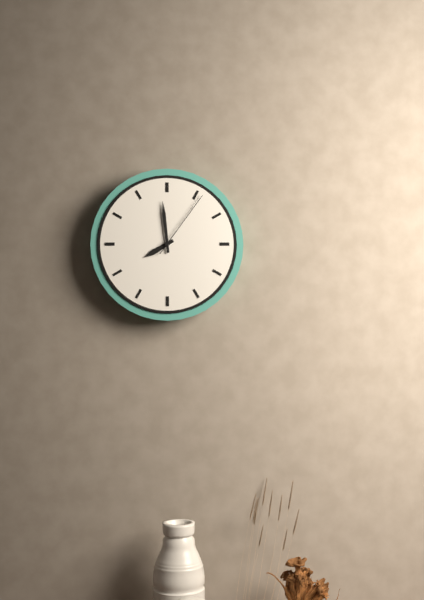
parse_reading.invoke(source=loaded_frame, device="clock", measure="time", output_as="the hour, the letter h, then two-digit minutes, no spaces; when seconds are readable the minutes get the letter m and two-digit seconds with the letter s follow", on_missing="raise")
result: 7h59m06s
